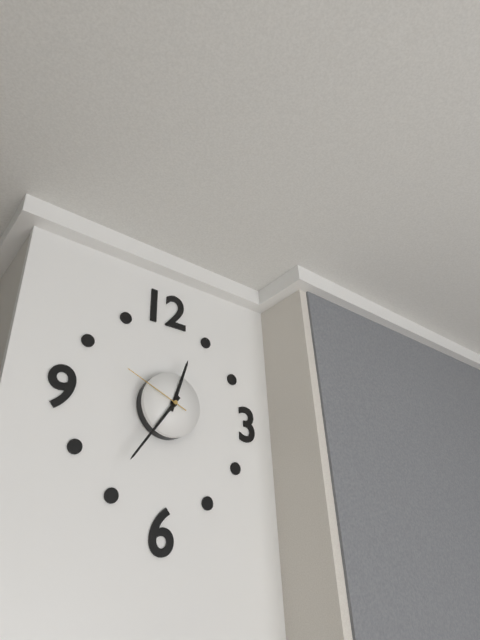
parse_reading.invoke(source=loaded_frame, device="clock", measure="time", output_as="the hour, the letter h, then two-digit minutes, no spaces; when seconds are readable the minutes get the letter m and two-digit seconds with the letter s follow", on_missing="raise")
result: 12h36m49s
